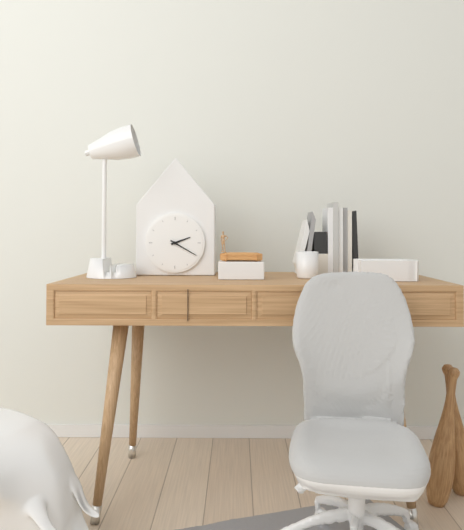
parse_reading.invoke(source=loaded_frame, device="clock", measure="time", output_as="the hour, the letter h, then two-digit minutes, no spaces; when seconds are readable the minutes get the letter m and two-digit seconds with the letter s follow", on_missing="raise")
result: 2h20
